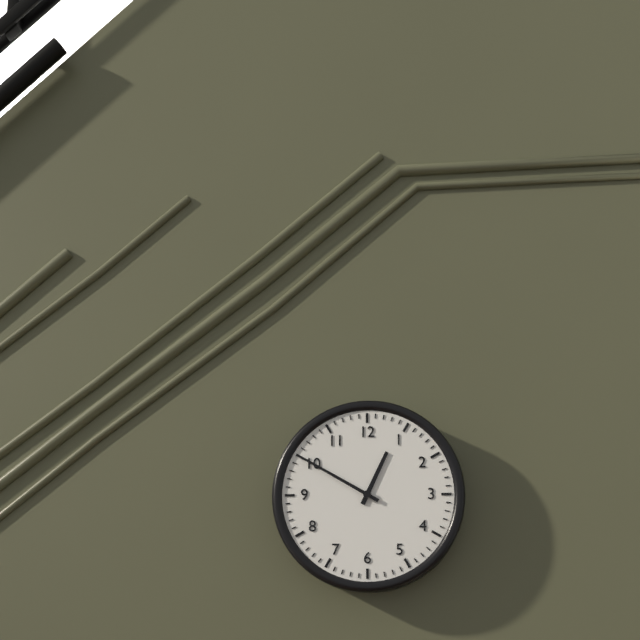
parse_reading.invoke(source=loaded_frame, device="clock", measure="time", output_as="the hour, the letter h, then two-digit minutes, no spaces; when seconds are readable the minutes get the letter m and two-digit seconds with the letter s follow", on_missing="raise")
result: 12h50
